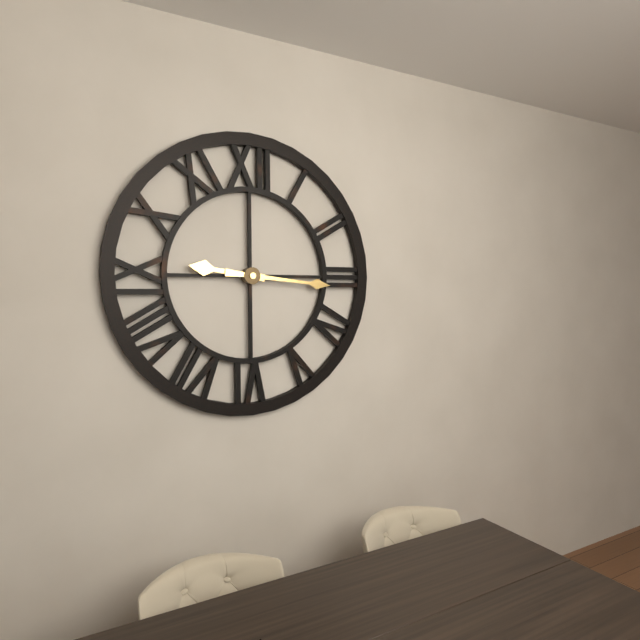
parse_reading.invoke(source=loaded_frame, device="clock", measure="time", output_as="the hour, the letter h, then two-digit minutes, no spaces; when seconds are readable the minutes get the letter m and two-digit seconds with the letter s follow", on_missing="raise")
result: 9h16
